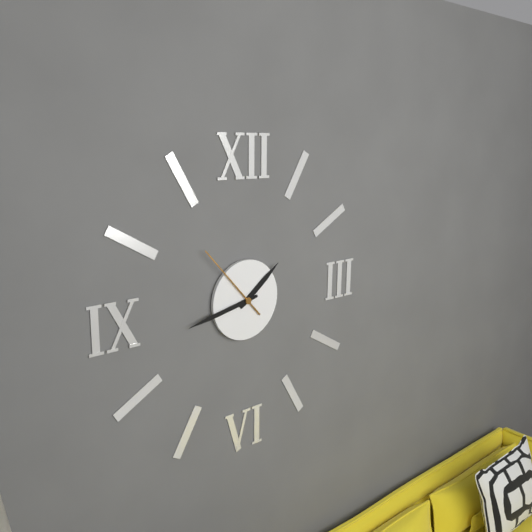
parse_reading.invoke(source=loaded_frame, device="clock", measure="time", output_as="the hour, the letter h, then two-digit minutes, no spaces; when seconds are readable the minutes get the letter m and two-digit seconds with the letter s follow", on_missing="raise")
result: 1h43m53s
